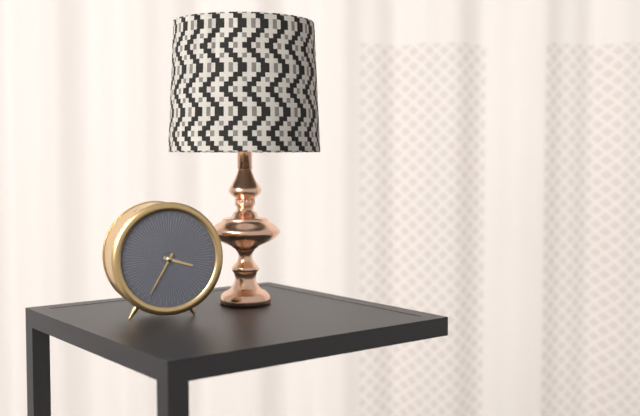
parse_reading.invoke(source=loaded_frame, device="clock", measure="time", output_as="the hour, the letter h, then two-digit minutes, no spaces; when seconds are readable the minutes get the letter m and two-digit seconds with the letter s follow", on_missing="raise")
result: 3h35
